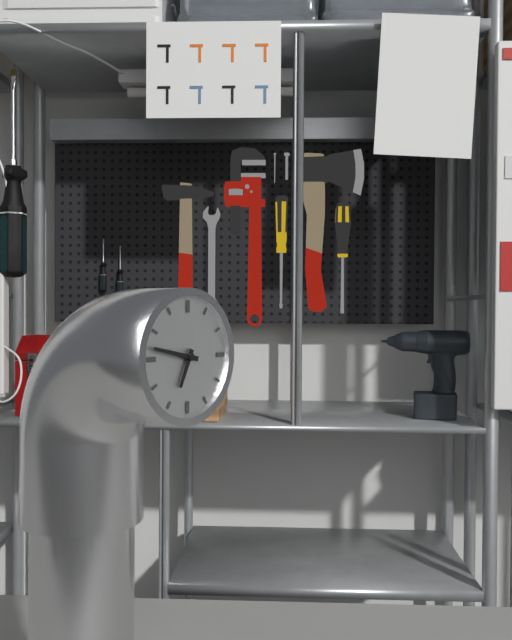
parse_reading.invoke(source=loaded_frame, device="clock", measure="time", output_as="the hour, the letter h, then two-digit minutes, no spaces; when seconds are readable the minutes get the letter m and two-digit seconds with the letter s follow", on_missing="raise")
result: 6h47
